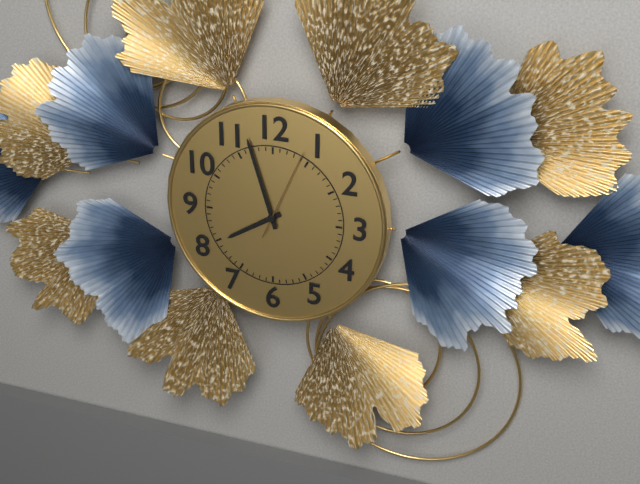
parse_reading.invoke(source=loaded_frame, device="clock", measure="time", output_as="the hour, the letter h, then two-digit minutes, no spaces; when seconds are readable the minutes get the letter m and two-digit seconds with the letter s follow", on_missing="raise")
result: 7h57m04s
